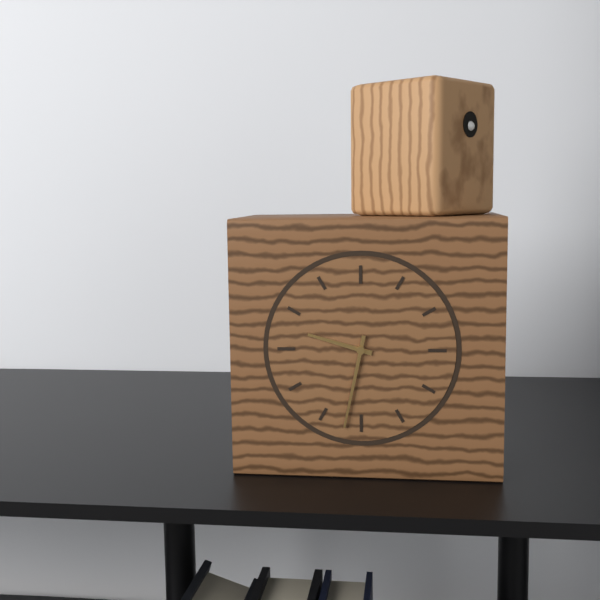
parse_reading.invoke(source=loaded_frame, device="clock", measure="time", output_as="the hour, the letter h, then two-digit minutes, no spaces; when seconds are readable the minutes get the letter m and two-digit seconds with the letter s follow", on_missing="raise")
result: 9h32
